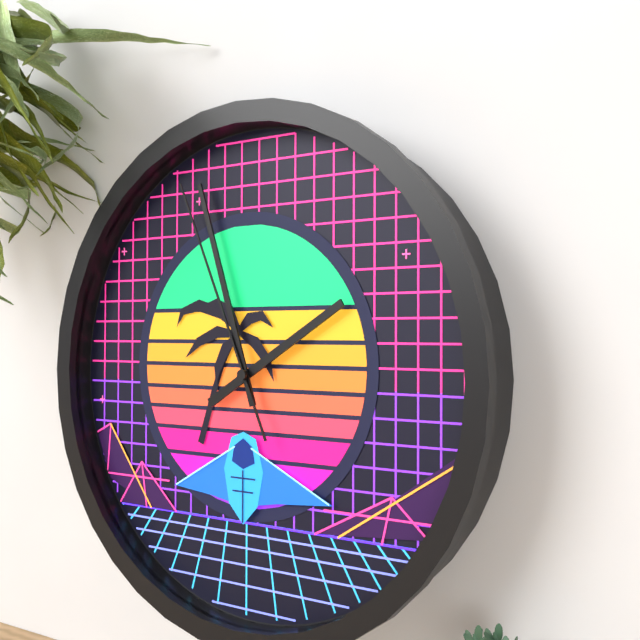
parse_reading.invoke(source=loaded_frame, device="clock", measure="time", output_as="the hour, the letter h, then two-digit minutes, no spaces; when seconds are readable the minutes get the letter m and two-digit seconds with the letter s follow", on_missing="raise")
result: 1h57m56s
